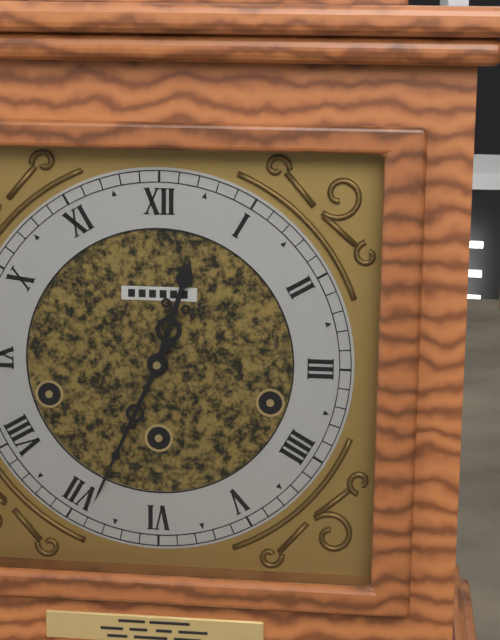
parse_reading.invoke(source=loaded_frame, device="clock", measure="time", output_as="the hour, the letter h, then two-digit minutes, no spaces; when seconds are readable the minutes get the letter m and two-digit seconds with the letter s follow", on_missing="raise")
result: 12h34
